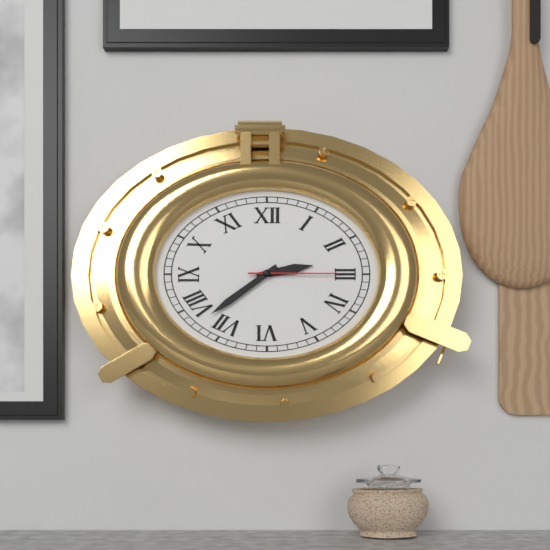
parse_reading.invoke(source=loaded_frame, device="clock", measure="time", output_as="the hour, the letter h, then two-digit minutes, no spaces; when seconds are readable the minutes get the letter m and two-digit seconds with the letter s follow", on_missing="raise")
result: 2h39m15s
